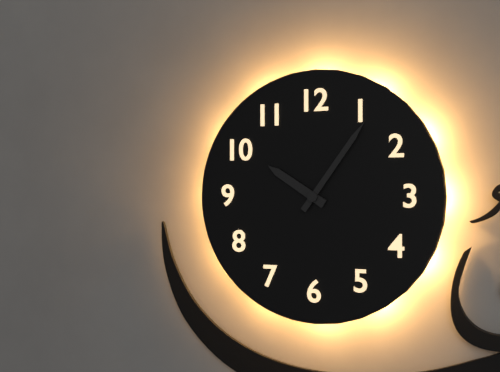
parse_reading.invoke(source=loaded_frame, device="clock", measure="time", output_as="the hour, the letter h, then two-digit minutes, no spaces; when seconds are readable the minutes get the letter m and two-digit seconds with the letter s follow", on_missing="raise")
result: 10h06
